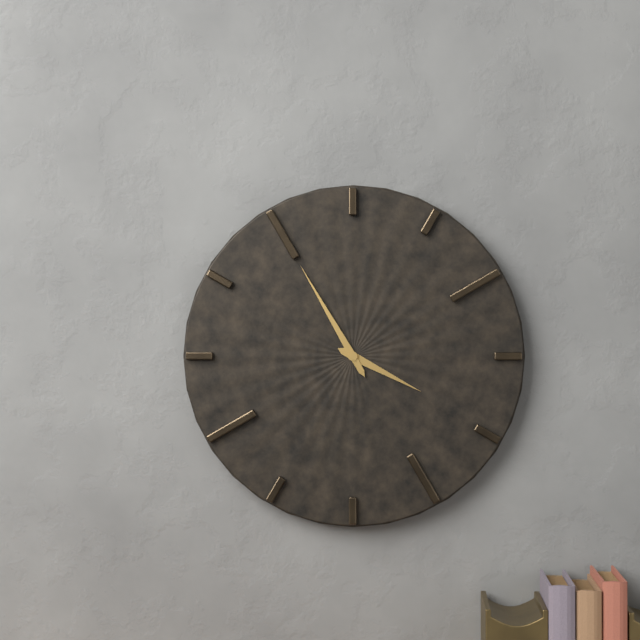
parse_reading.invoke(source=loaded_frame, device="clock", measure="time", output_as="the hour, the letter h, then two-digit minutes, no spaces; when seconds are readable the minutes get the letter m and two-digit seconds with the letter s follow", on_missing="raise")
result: 3h55
